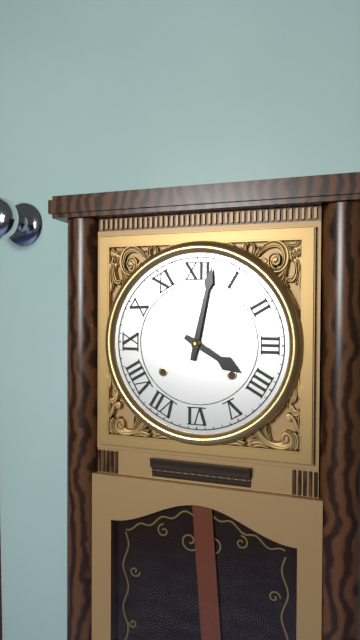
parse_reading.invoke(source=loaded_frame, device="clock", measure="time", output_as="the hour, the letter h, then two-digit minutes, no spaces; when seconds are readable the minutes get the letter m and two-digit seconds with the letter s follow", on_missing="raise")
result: 4h02
